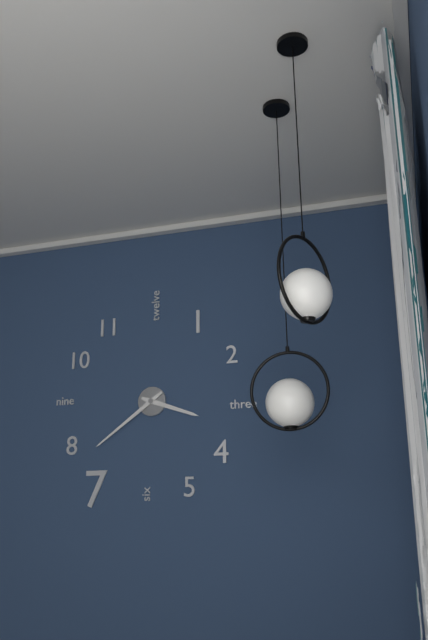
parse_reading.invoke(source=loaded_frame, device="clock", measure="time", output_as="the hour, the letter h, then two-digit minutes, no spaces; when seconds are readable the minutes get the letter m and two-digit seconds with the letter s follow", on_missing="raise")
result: 3h39
